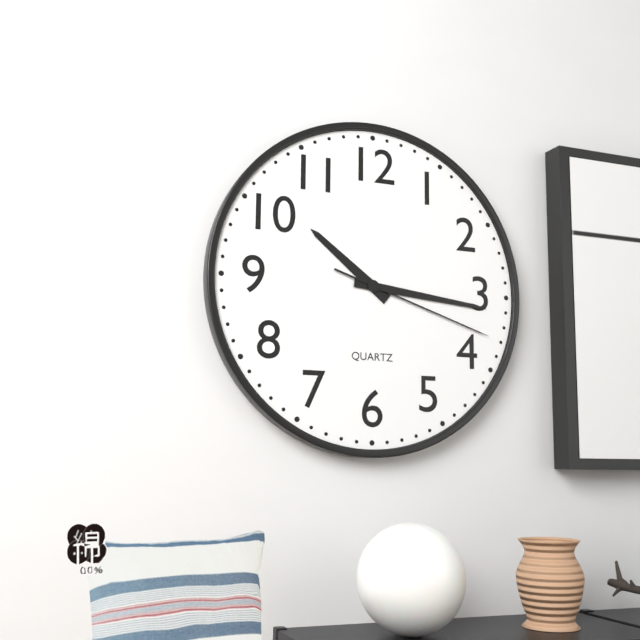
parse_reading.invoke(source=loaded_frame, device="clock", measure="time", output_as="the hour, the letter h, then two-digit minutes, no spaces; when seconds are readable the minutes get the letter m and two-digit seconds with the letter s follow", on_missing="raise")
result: 10h16m18s
